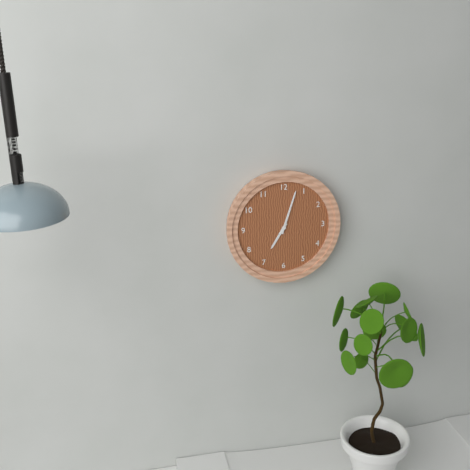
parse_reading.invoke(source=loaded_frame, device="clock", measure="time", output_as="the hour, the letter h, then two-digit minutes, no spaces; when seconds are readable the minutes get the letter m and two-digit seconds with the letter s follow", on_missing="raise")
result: 7h03
